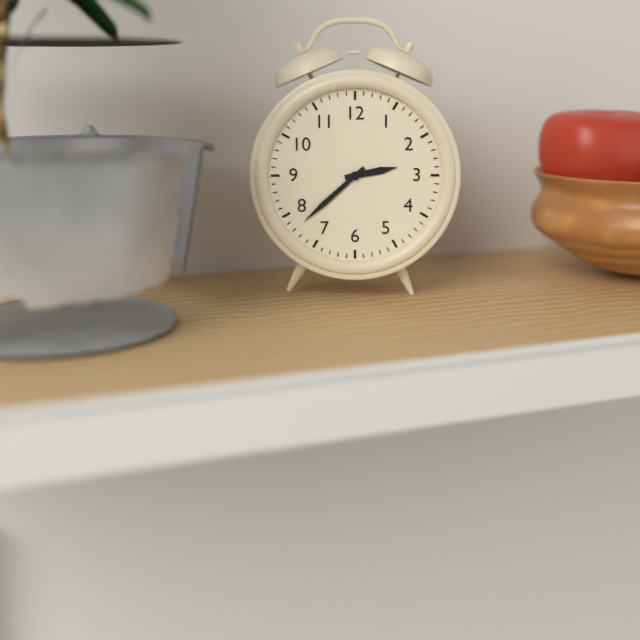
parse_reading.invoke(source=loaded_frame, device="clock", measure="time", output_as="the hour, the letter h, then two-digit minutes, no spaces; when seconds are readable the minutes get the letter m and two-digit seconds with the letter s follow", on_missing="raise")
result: 2h38
